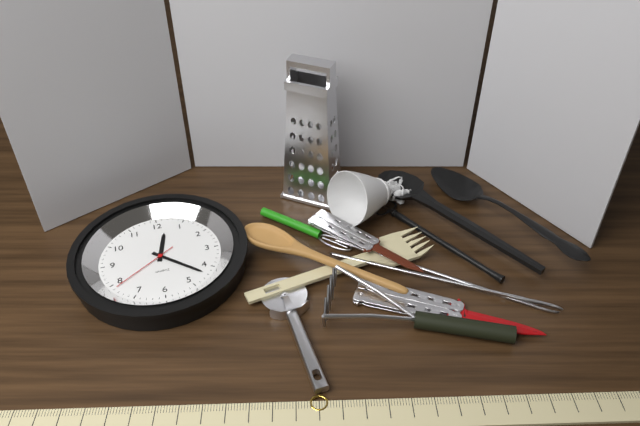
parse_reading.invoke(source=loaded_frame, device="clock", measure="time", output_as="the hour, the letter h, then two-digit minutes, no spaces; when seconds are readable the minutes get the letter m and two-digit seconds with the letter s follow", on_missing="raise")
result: 12h22m39s
